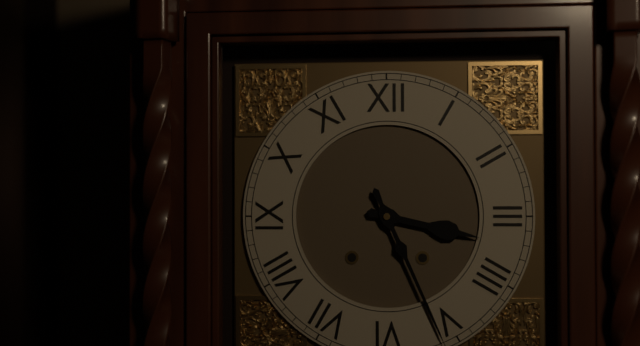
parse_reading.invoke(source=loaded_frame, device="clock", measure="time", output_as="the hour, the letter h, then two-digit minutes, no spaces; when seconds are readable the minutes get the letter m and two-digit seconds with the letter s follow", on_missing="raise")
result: 3h26
